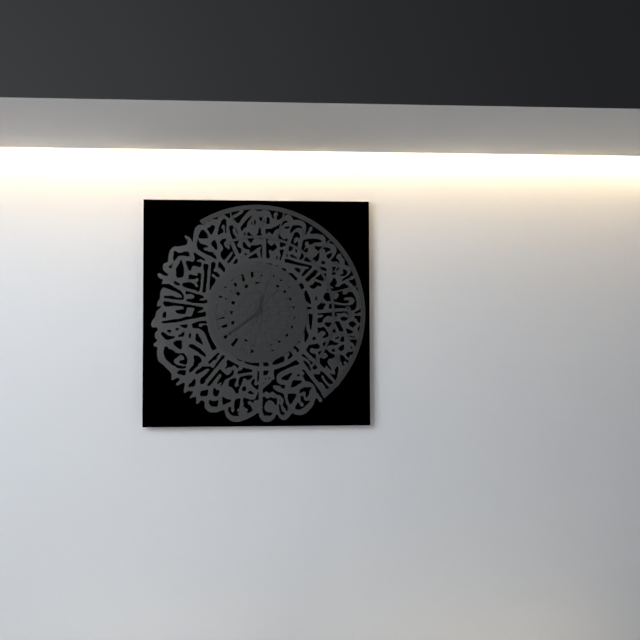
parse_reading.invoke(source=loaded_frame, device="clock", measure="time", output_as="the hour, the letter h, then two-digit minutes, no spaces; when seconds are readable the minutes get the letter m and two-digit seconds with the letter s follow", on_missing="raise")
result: 12h39
